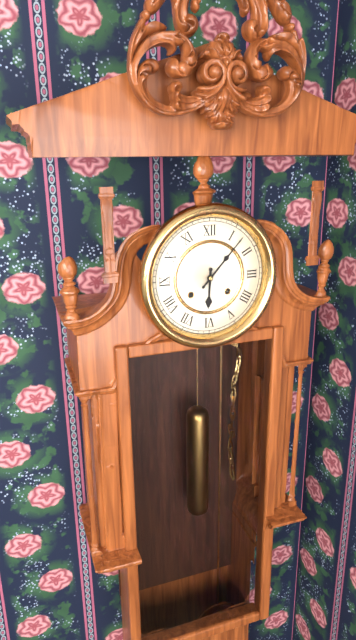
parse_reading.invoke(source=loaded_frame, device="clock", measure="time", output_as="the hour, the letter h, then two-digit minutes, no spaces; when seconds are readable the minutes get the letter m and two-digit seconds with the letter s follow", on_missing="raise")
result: 6h07
